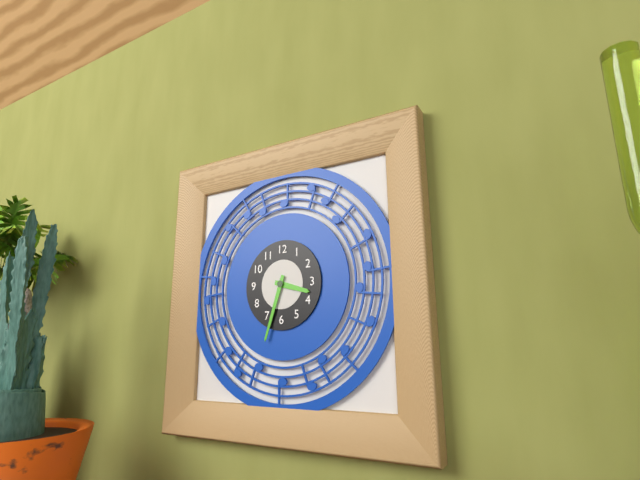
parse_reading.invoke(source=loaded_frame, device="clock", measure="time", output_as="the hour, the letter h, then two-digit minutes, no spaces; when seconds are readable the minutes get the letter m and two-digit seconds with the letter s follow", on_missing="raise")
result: 3h33
